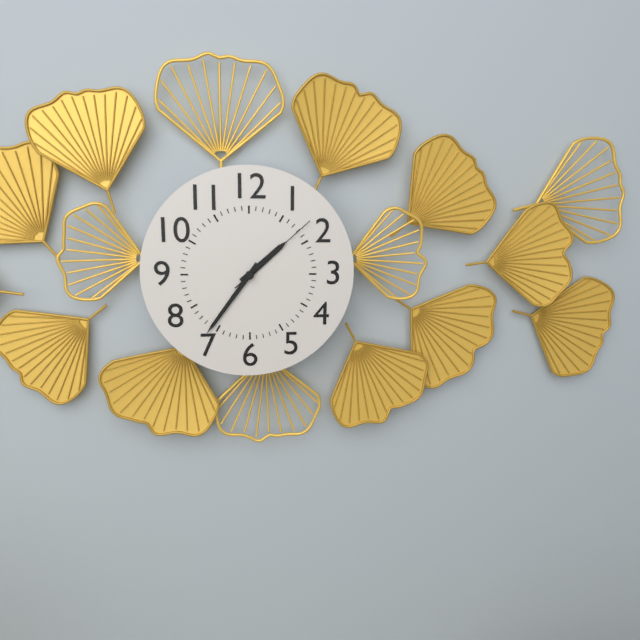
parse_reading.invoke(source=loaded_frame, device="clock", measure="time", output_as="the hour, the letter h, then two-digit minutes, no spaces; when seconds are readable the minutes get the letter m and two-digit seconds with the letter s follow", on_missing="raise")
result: 1h36m08s
